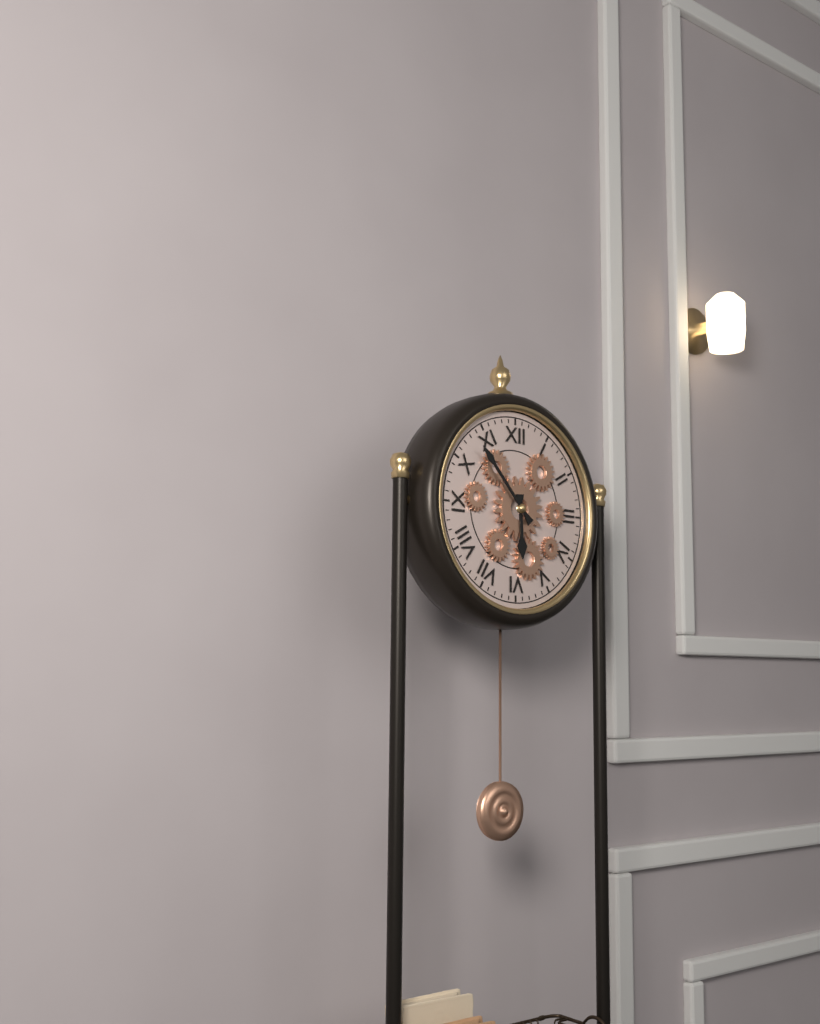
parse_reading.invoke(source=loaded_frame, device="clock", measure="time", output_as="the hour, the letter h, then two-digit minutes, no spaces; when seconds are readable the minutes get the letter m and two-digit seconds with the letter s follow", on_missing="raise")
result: 5h53
